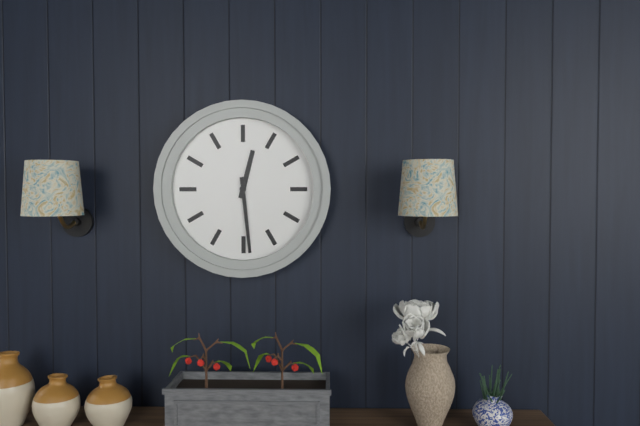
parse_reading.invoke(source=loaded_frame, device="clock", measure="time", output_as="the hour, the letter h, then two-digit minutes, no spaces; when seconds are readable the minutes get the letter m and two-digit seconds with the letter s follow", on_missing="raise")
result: 12h29
